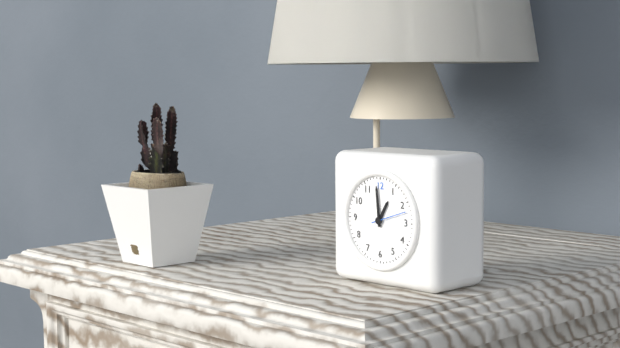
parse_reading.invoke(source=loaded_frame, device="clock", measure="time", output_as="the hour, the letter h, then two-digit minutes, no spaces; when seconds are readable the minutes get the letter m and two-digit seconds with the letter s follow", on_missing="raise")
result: 12h59
